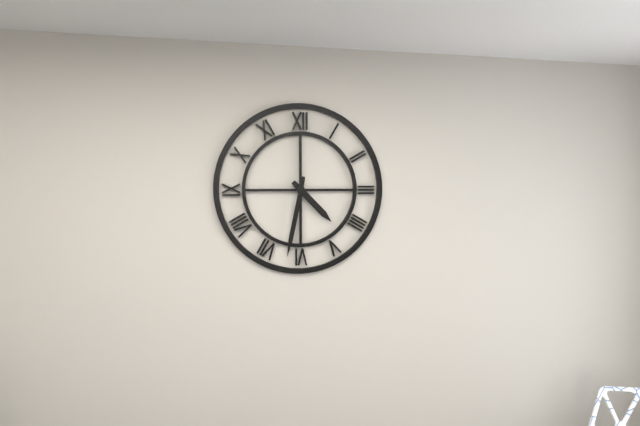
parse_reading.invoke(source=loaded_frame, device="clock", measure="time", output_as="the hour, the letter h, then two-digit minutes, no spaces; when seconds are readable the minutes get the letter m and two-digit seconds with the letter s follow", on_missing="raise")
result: 4h32
